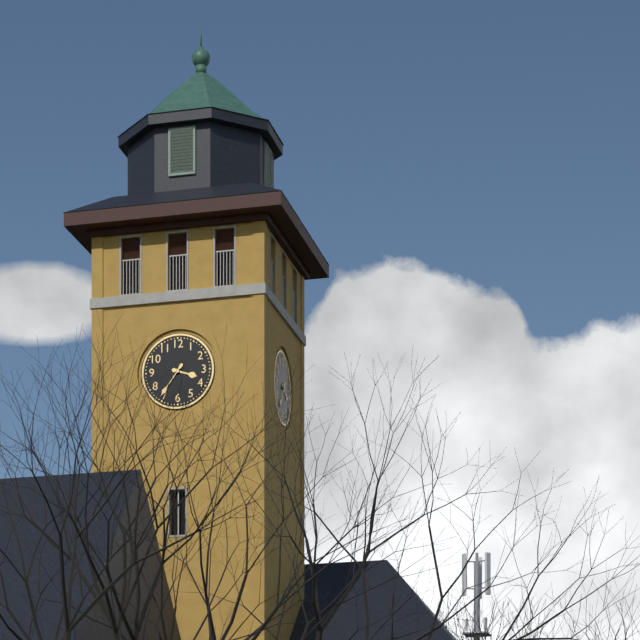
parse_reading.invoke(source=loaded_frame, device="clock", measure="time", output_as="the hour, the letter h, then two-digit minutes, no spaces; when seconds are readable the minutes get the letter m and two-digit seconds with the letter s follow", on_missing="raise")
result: 3h36
